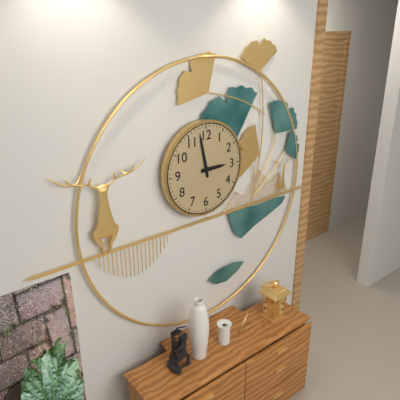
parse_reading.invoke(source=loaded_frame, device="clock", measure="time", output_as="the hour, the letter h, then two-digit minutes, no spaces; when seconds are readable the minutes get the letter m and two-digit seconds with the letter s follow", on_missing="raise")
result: 2h58
